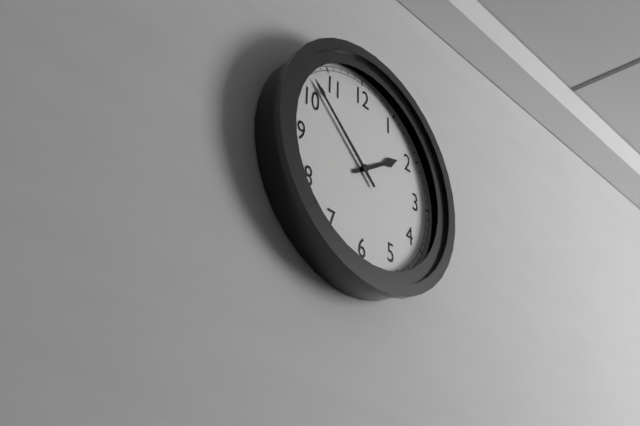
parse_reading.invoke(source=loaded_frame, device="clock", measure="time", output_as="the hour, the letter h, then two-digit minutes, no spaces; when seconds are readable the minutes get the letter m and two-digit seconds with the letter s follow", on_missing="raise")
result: 1h52
